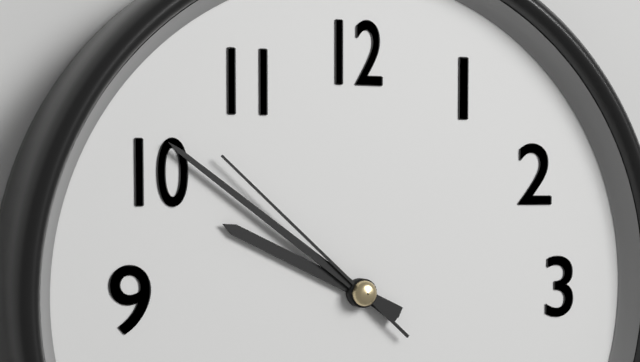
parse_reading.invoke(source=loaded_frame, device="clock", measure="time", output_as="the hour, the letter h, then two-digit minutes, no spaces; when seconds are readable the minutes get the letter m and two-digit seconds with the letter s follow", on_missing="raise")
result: 9h51m52s
